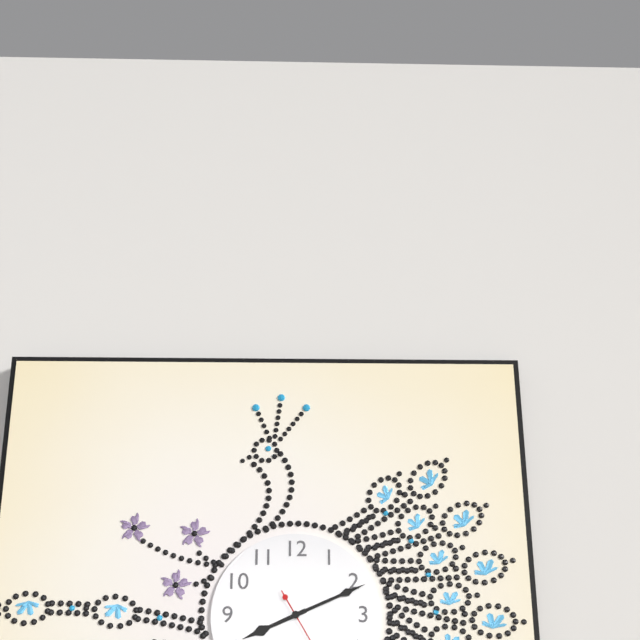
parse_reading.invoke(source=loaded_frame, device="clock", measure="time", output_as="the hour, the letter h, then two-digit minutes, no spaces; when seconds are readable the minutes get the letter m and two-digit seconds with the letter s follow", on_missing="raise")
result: 8h11
